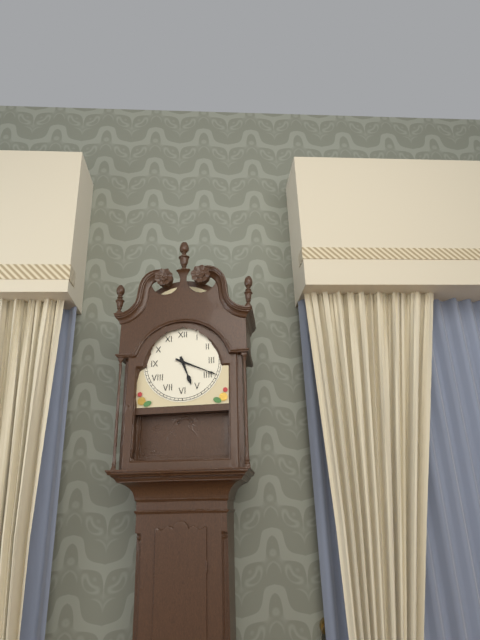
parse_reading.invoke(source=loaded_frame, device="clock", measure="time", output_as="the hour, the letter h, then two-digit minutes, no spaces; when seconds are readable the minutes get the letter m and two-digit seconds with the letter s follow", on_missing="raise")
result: 5h19
